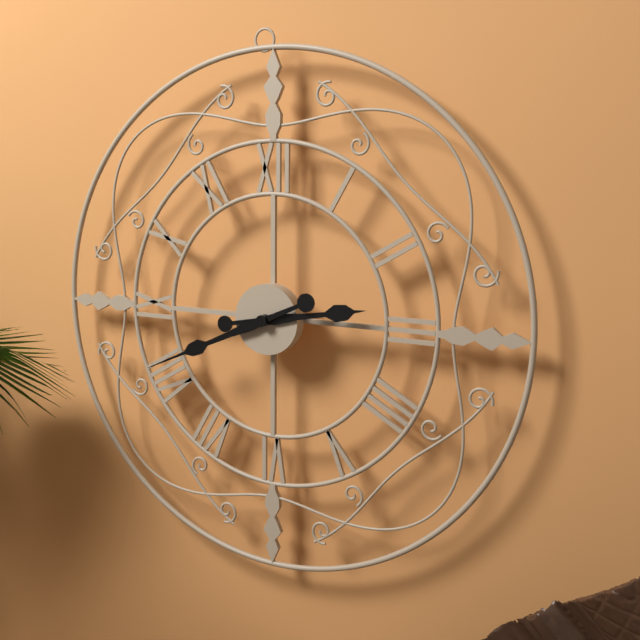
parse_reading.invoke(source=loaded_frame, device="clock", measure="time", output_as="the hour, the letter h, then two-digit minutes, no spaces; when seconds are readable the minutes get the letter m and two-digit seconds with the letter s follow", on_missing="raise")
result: 2h41
